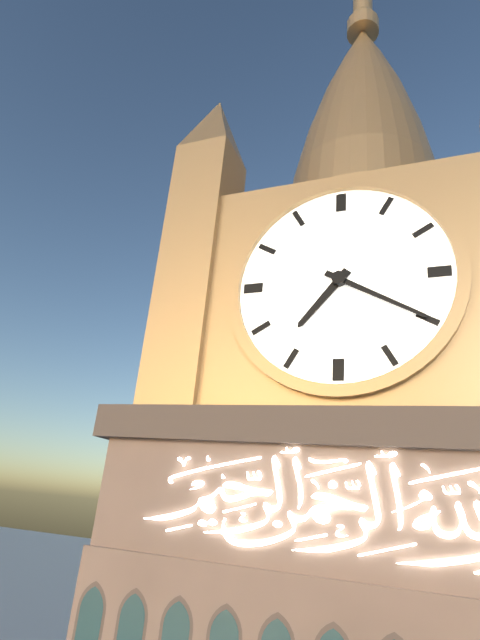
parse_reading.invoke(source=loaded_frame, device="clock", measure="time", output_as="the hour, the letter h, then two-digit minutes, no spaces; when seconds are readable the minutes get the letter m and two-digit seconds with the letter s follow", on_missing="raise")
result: 7h20
